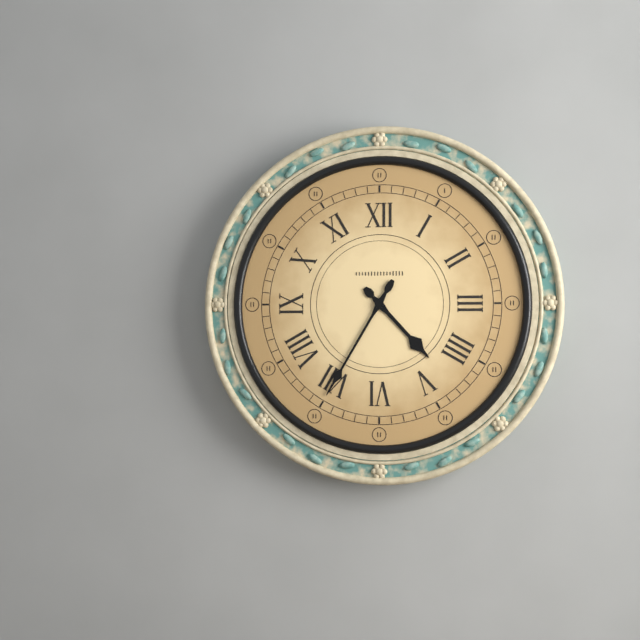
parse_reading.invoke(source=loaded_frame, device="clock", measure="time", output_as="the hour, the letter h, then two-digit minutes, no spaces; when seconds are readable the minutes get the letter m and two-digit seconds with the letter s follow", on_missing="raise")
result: 4h35
